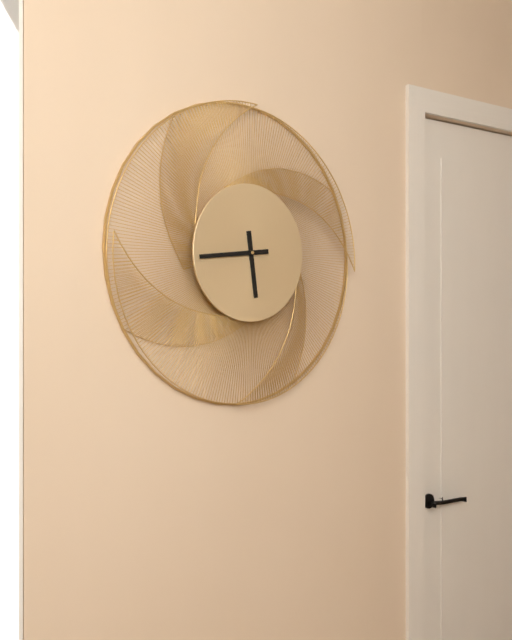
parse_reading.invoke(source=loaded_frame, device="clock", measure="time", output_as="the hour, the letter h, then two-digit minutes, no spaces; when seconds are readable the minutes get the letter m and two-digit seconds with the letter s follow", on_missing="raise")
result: 5h44
